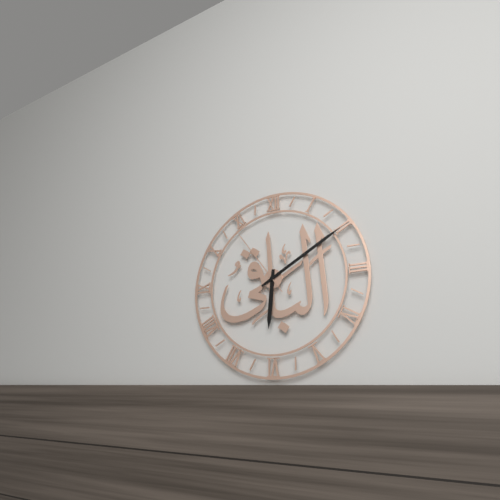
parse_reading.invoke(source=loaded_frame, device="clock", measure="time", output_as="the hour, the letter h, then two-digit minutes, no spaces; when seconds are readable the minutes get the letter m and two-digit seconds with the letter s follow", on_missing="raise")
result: 6h10m54s
